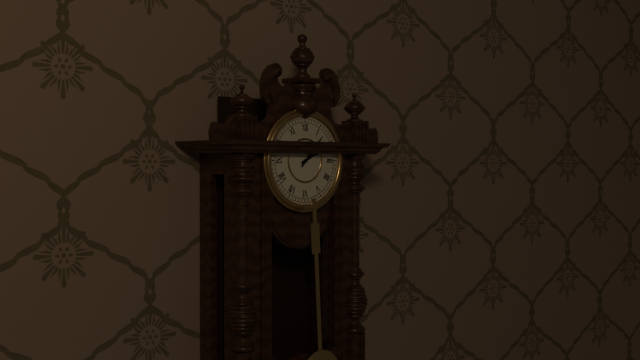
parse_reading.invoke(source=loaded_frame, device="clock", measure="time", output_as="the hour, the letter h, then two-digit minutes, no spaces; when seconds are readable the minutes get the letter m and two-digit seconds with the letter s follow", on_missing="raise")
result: 2h07
